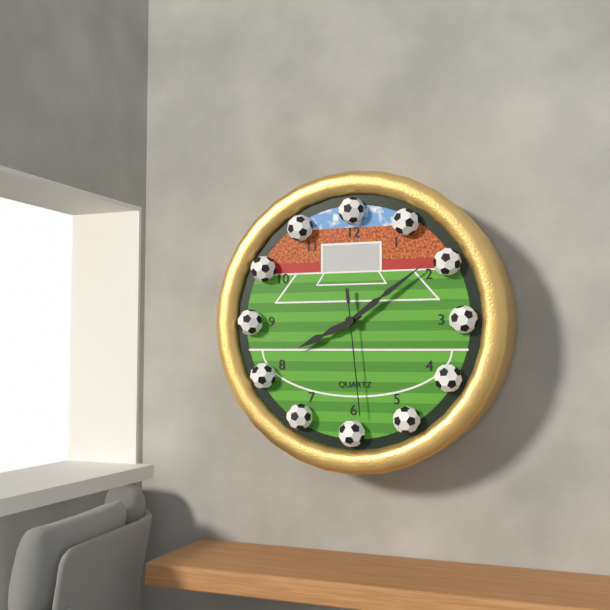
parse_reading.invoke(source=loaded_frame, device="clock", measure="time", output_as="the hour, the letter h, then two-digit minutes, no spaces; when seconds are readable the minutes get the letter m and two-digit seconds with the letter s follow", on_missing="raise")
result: 8h09m29s
